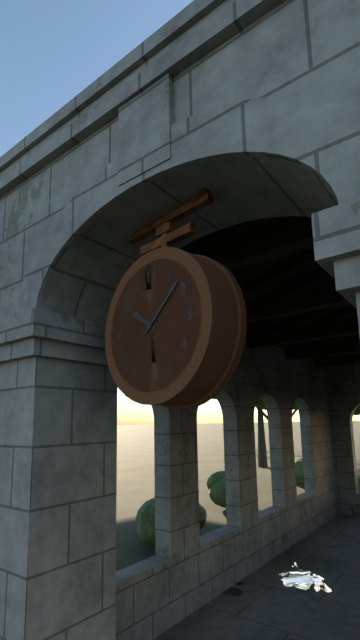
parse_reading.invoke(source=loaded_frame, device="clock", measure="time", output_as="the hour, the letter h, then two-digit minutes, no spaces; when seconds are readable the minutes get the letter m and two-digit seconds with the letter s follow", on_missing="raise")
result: 10h08
